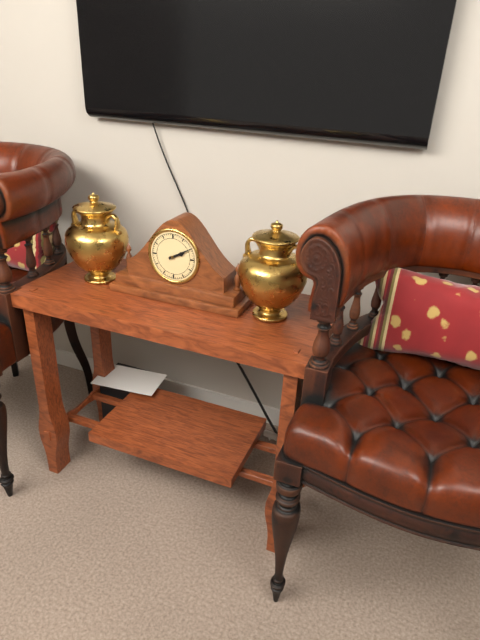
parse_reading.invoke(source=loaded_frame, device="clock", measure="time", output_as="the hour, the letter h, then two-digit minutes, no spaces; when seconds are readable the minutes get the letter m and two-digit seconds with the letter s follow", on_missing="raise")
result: 2h10
